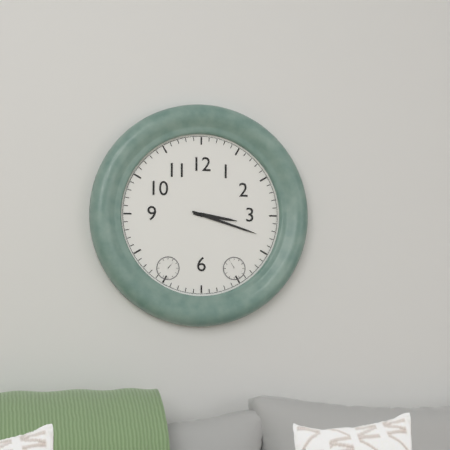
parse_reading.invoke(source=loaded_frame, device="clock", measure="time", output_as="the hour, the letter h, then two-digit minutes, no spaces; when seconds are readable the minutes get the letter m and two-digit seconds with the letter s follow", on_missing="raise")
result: 3h18
